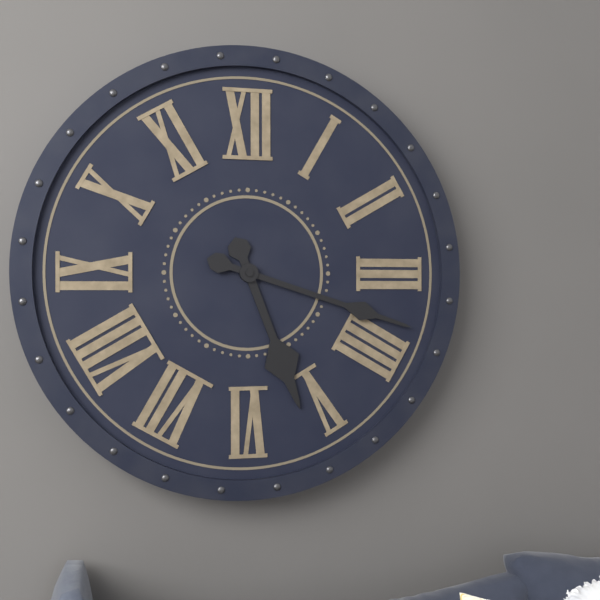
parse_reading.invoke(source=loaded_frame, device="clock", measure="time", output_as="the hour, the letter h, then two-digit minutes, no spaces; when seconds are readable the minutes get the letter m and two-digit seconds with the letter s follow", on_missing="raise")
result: 5h18
